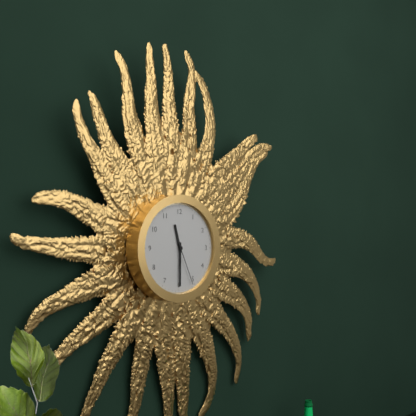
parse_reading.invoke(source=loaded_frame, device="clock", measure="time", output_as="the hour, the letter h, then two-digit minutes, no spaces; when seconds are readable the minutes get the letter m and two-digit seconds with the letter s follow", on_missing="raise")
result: 11h30
